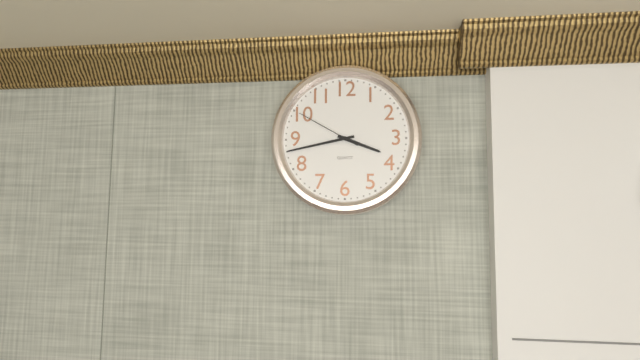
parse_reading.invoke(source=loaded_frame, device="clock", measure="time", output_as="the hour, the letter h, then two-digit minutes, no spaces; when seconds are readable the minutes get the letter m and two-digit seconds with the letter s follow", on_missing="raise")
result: 3h43m50s
